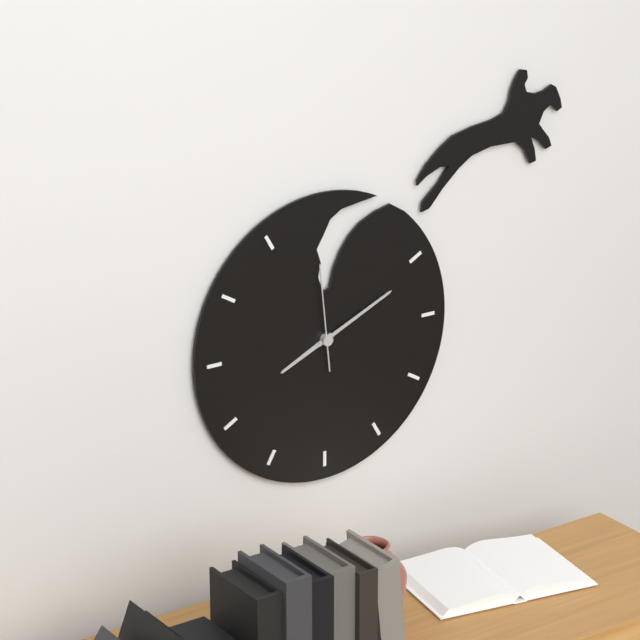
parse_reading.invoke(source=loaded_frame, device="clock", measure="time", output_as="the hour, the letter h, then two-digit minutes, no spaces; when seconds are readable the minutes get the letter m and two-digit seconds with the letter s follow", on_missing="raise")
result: 8h11m59s
